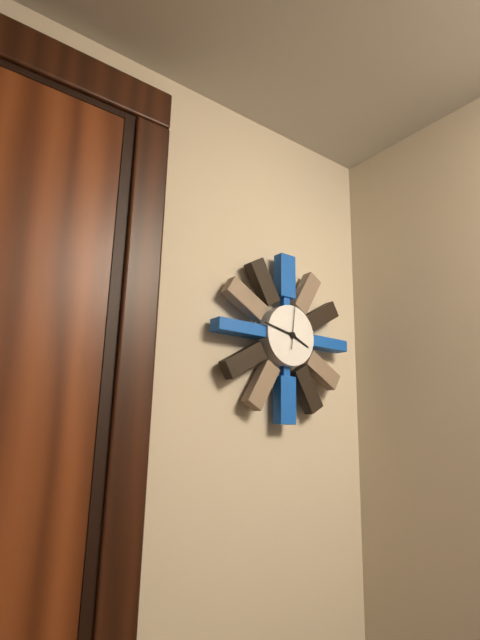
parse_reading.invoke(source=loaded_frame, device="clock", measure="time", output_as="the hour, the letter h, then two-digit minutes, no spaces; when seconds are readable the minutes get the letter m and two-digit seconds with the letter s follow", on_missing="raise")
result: 3h47
